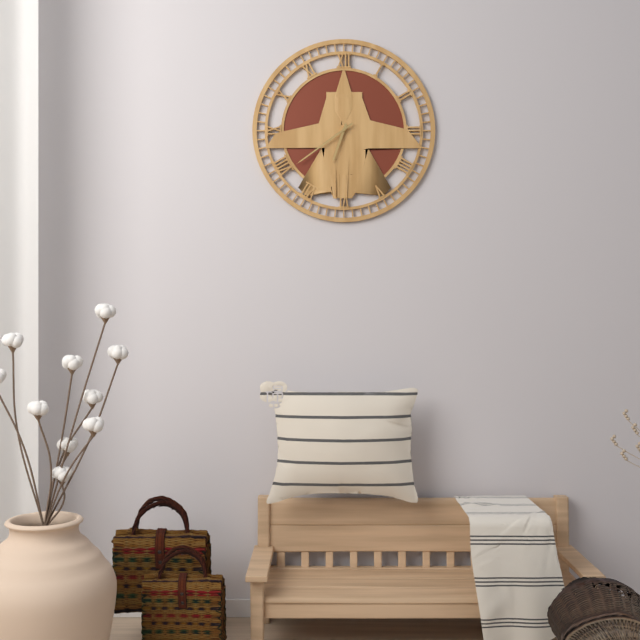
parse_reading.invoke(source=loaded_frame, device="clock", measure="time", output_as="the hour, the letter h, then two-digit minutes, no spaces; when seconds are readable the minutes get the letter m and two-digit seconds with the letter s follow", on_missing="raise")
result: 6h39
